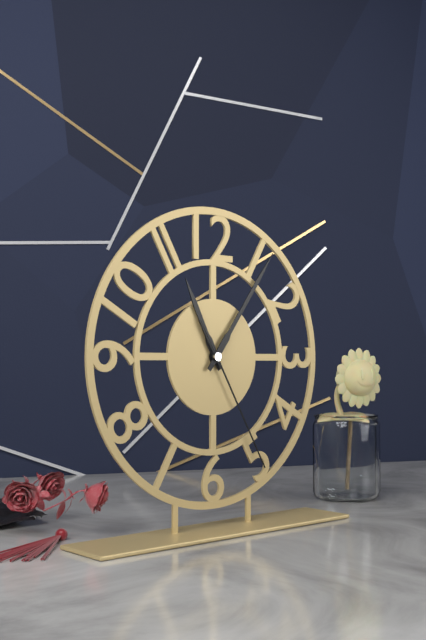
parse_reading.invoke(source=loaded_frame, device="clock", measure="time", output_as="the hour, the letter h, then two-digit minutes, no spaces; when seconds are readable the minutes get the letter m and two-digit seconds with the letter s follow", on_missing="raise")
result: 11h06m25s
